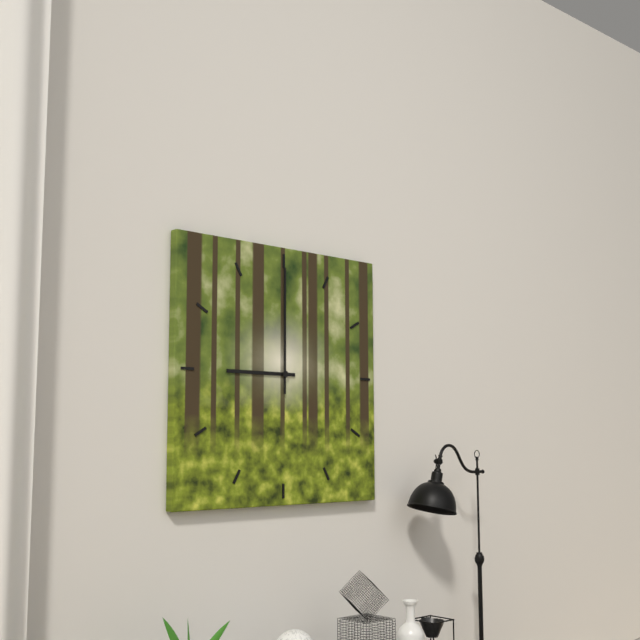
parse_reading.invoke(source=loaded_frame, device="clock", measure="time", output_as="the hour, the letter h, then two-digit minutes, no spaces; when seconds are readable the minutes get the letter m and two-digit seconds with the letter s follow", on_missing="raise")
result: 9h00
